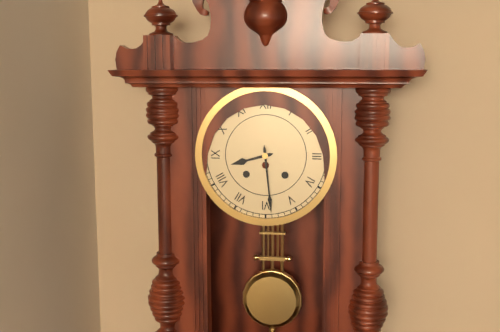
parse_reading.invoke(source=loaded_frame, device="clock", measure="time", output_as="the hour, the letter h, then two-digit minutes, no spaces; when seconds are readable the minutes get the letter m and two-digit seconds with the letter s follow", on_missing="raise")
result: 8h29
